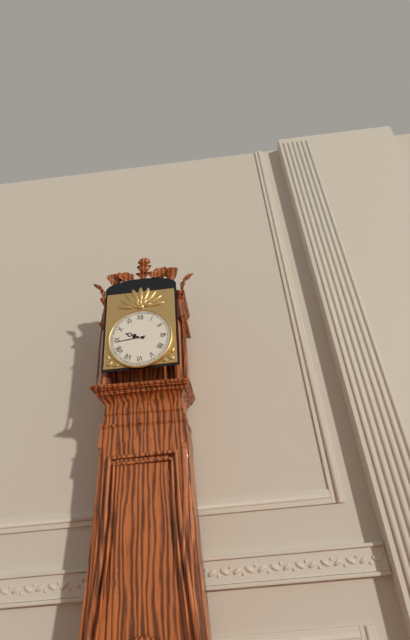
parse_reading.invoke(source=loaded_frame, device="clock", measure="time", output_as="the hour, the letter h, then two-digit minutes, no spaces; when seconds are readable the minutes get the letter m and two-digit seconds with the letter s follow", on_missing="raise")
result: 9h44
